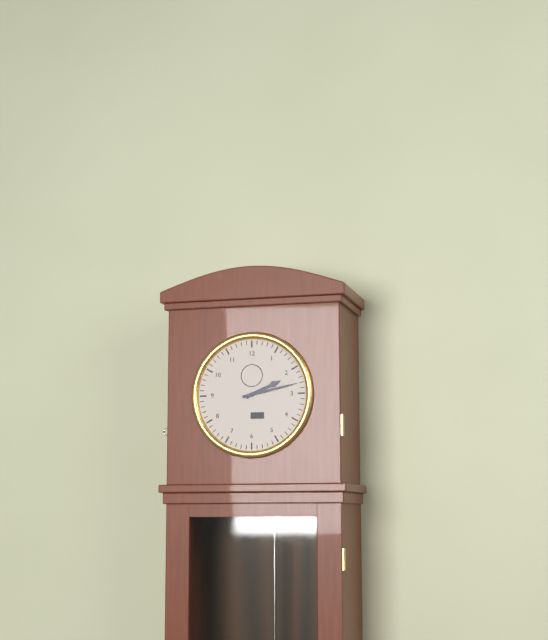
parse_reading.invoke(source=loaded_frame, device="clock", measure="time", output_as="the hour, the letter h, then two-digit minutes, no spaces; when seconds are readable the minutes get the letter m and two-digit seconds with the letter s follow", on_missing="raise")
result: 2h13
